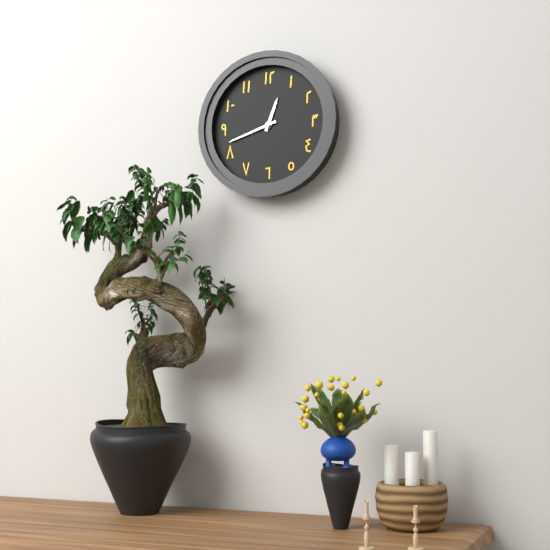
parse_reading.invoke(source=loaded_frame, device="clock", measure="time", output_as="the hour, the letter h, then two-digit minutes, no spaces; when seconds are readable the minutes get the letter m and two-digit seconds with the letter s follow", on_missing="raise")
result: 12h42
